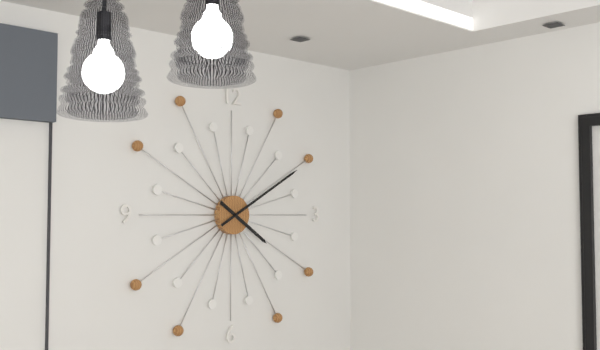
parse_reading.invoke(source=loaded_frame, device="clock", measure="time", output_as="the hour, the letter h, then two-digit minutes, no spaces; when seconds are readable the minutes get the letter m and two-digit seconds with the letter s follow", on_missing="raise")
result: 4h10
